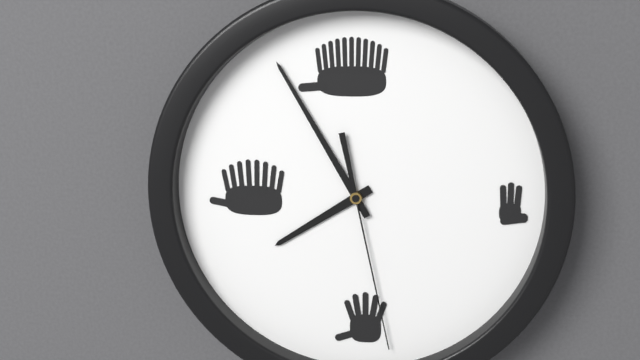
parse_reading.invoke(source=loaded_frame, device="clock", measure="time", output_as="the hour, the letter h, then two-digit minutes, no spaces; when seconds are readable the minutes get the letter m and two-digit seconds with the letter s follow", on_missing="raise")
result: 7h55m28s
